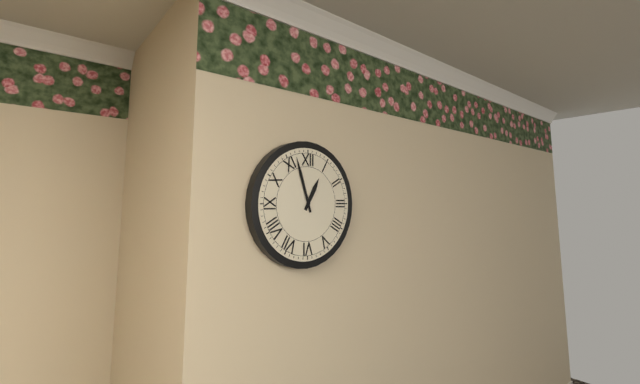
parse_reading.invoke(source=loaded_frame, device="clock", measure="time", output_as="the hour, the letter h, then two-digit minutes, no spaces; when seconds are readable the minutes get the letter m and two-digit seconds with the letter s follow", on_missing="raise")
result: 12h57
